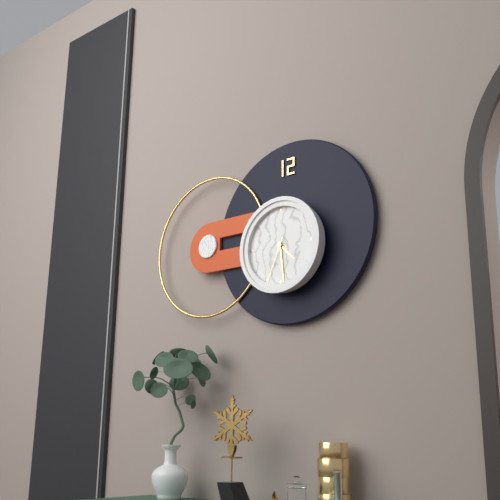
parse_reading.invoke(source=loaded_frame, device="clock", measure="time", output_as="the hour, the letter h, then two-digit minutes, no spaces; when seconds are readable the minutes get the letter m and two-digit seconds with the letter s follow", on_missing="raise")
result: 4h29m34s
